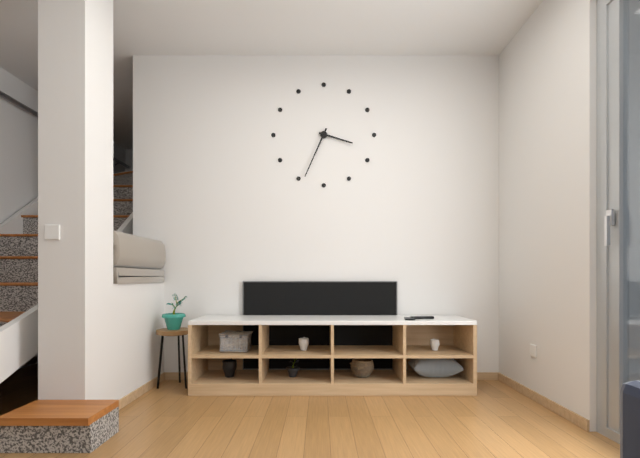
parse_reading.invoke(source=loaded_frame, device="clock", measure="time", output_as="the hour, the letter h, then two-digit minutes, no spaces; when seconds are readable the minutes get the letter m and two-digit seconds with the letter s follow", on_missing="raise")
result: 3h34
